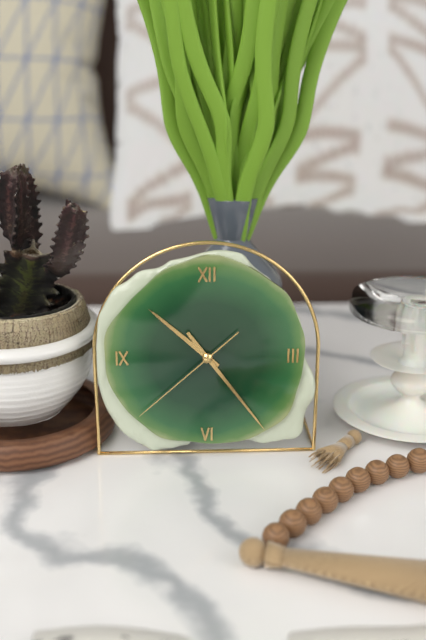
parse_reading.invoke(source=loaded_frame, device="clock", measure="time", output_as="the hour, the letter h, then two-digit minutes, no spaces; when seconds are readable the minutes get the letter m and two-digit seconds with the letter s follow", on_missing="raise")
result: 10h24m38s
